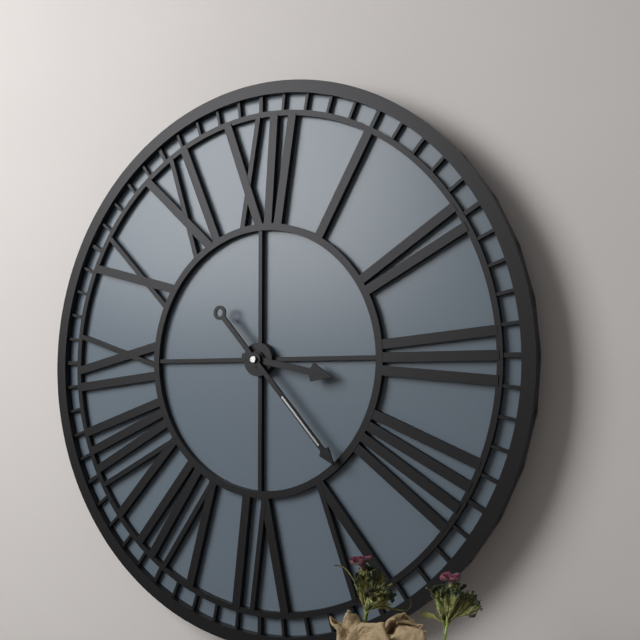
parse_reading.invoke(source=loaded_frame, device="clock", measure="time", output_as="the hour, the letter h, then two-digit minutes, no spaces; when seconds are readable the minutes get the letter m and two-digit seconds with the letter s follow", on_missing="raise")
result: 3h23
